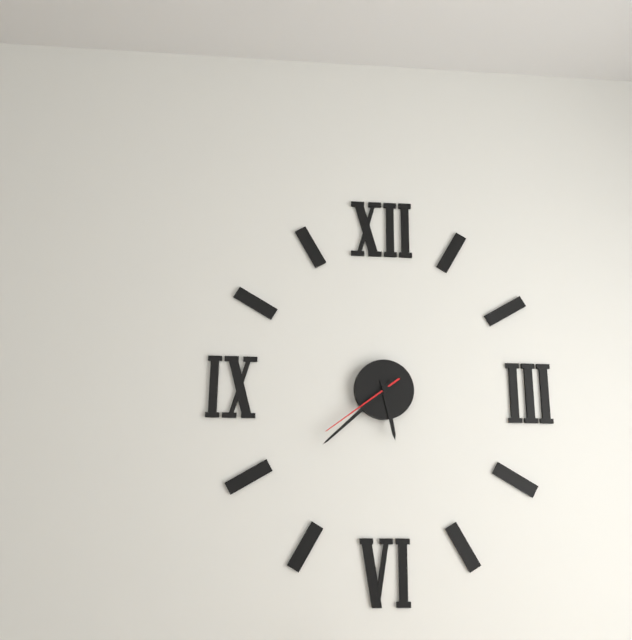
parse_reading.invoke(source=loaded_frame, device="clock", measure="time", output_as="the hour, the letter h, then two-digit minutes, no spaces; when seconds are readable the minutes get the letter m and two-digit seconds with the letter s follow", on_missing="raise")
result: 5h38m39s
